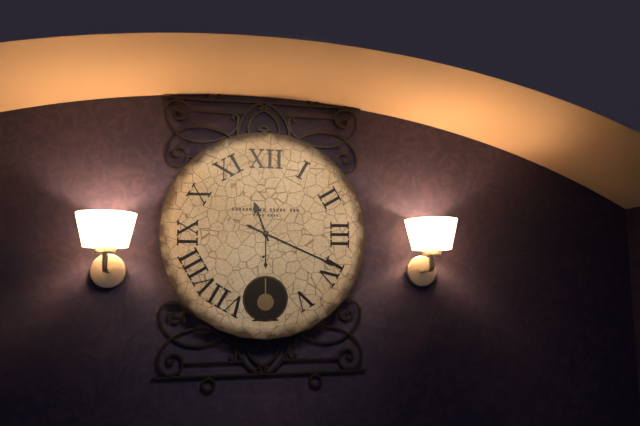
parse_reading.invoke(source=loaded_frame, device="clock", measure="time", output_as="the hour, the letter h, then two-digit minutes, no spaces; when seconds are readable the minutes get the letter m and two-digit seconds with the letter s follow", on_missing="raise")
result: 11h19
